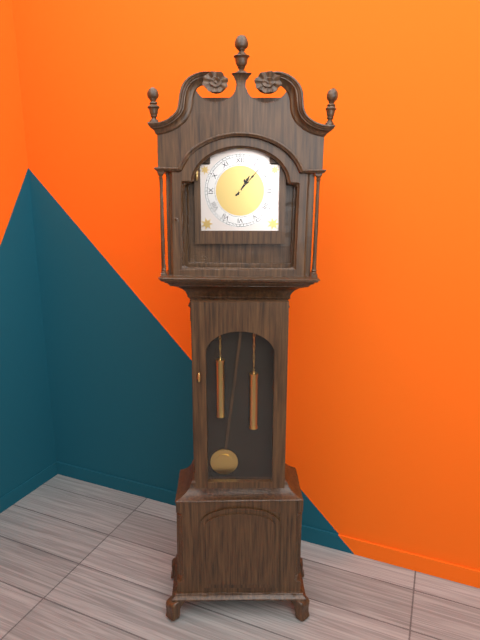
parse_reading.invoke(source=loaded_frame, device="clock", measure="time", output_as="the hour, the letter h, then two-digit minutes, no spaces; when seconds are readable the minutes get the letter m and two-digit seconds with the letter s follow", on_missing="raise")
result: 1h07
